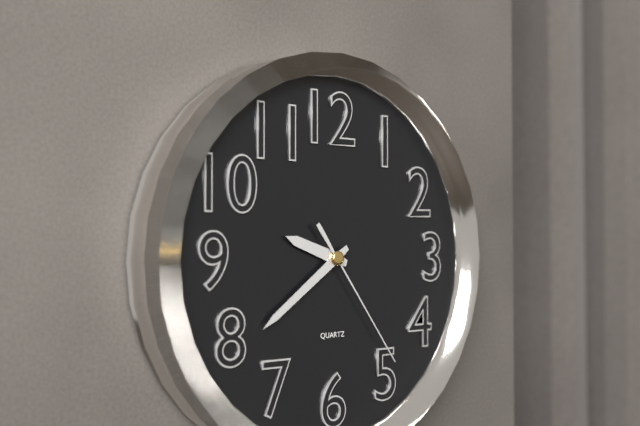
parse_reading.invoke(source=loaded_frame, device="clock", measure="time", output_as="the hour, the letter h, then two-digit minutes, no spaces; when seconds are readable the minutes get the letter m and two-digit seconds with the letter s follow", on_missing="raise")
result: 9h39m24s
